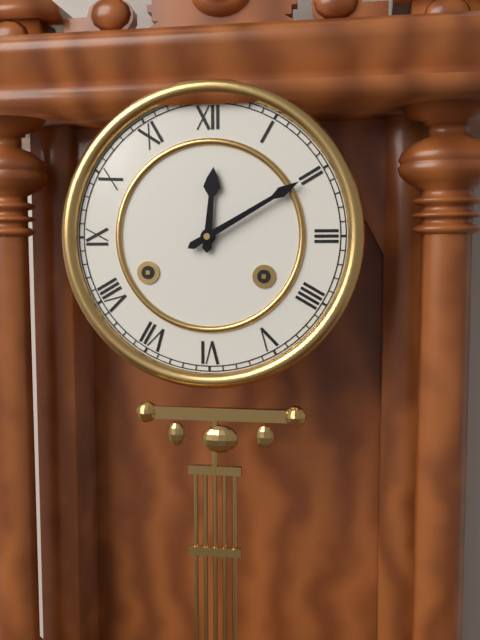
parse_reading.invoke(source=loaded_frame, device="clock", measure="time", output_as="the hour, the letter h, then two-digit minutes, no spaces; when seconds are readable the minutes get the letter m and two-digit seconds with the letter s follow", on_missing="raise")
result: 12h10
